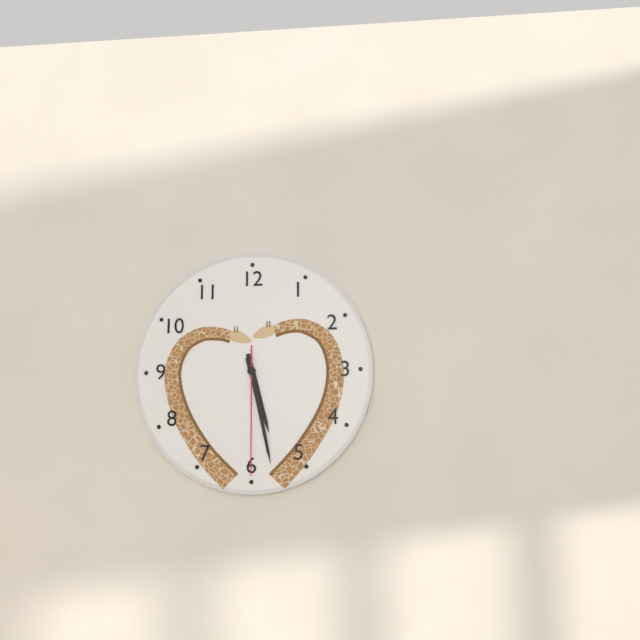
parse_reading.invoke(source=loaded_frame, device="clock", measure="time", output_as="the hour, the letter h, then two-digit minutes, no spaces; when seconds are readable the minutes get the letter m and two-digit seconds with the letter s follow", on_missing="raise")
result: 5h28m30s
